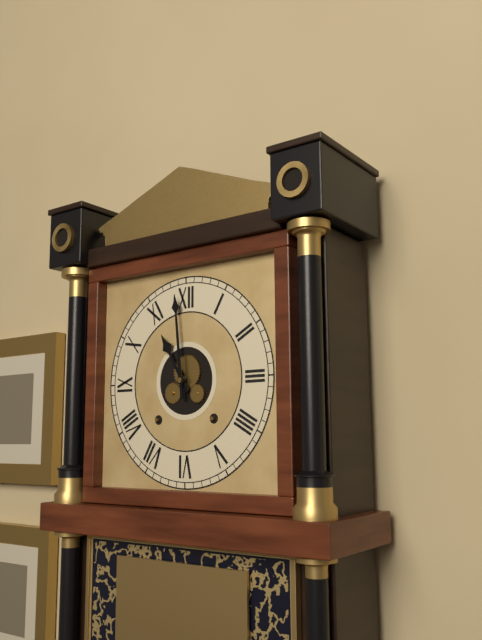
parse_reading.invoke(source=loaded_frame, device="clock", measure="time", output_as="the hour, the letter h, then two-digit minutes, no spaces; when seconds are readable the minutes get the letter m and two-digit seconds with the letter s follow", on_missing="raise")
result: 10h59
